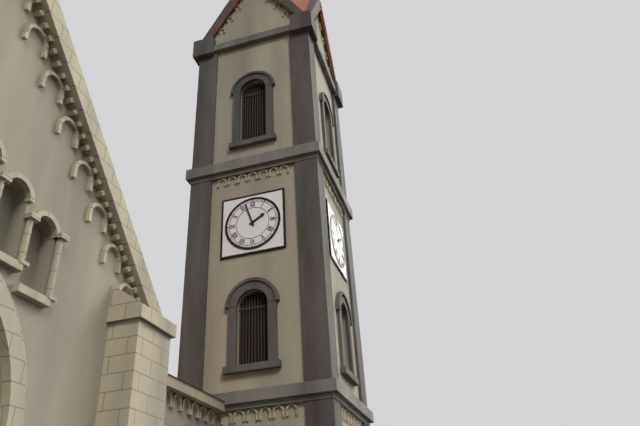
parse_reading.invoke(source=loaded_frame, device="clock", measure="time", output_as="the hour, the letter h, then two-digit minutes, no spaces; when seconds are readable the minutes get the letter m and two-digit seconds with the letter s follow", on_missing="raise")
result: 1h57
